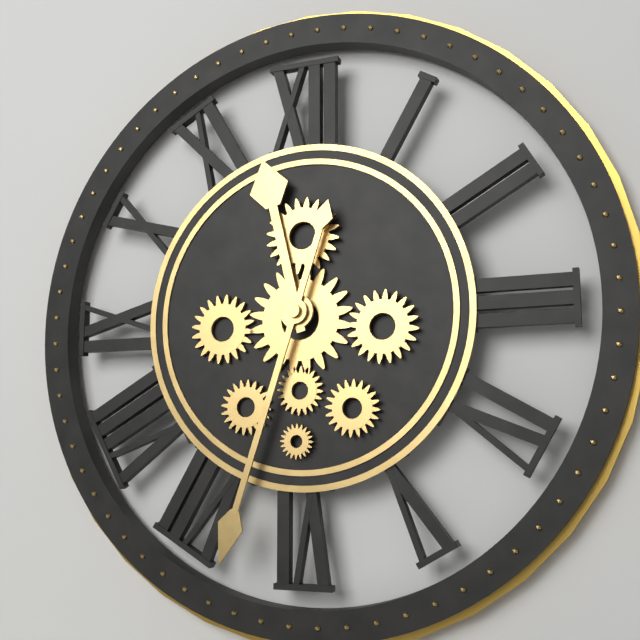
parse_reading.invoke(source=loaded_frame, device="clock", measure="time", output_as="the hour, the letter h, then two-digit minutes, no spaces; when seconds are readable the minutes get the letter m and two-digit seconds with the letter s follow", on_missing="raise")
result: 11h33
